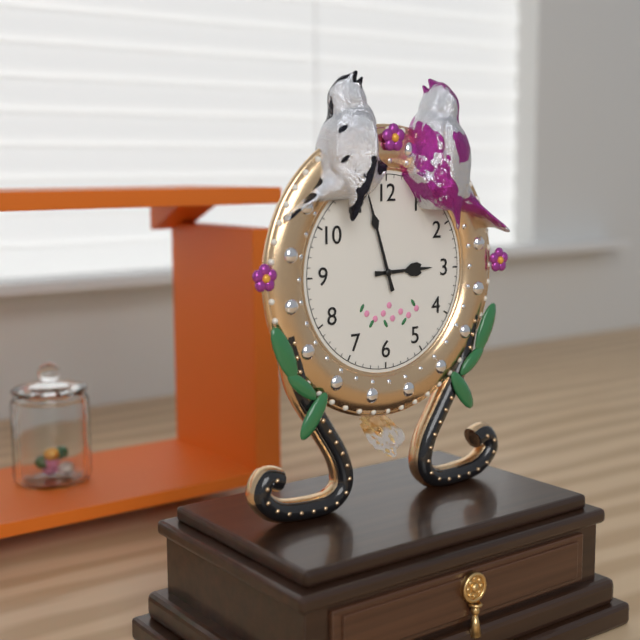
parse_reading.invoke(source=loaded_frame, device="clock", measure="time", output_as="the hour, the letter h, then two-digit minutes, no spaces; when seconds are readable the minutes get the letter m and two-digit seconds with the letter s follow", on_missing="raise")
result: 2h57
